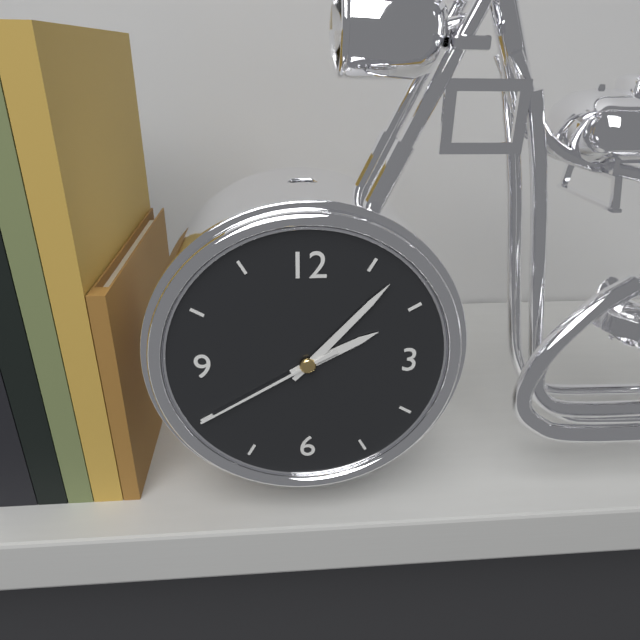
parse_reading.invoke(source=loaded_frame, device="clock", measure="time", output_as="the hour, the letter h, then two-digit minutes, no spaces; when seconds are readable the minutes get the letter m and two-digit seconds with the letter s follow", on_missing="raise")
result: 2h07m40s
